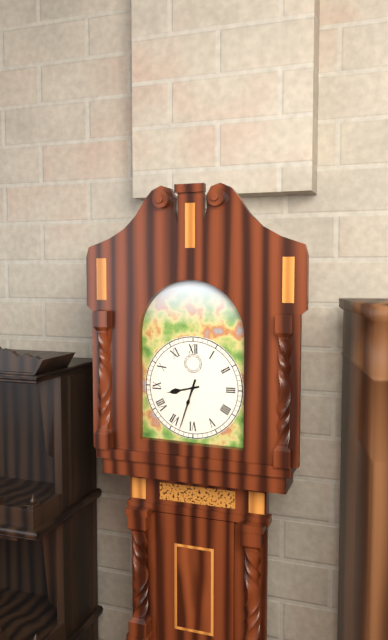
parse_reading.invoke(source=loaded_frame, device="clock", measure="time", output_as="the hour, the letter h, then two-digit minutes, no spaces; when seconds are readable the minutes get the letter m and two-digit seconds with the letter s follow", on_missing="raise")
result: 8h33
